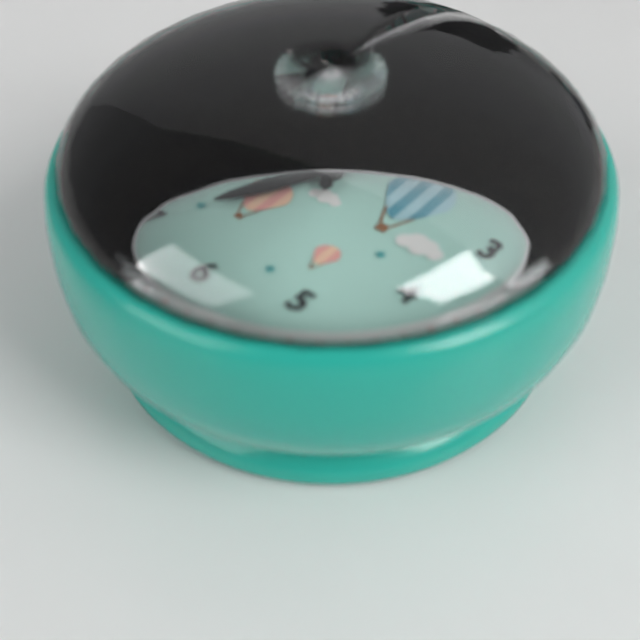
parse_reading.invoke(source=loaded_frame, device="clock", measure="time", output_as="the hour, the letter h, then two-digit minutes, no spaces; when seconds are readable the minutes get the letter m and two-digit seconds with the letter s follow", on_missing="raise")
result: 6h55m12s
